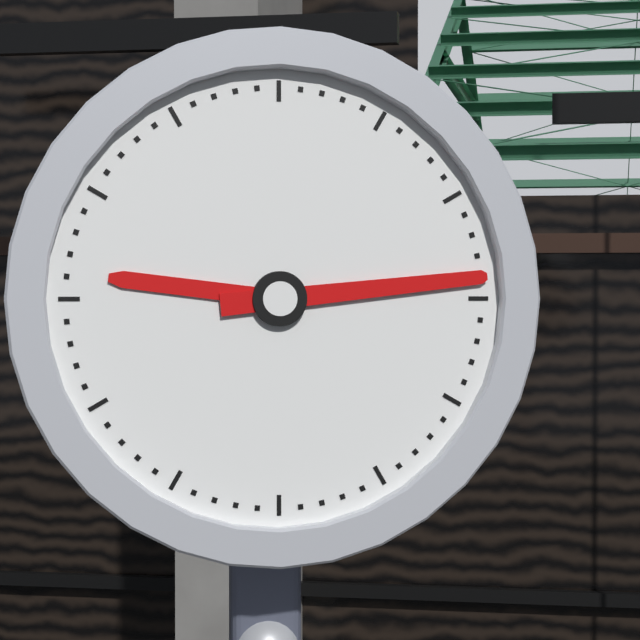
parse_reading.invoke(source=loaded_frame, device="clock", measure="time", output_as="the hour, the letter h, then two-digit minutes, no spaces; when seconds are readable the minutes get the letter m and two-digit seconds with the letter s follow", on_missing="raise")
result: 9h14
